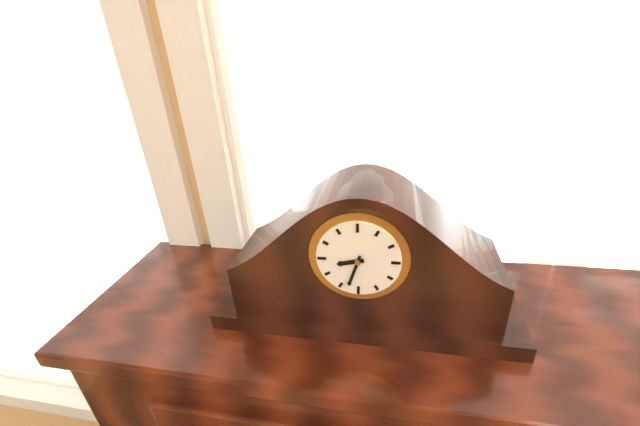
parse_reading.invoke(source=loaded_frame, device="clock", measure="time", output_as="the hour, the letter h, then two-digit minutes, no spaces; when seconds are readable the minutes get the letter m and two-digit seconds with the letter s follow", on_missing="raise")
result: 8h33
